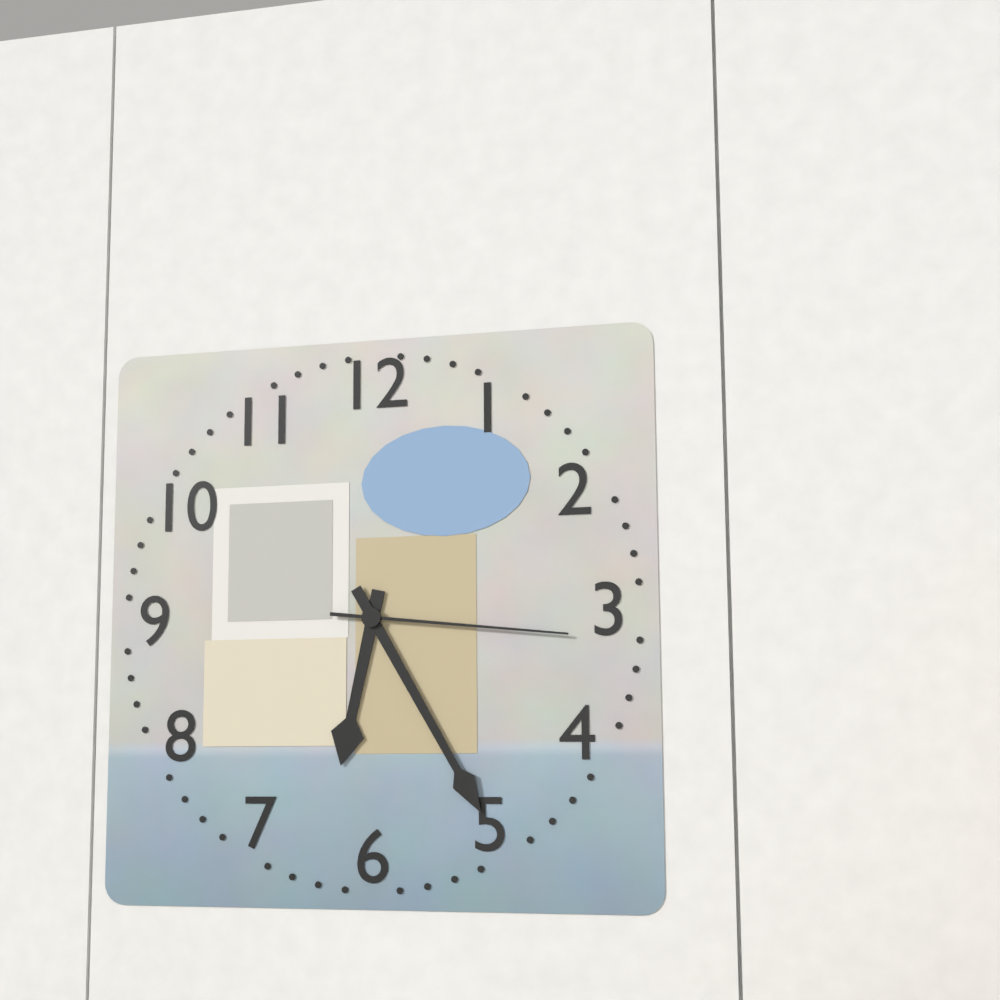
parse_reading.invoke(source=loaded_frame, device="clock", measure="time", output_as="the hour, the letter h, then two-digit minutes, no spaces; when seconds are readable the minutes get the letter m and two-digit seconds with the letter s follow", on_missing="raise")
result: 6h25m16s
